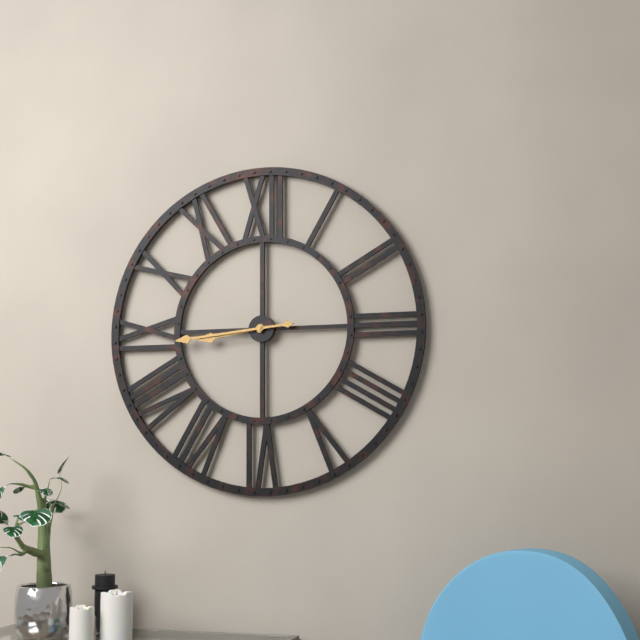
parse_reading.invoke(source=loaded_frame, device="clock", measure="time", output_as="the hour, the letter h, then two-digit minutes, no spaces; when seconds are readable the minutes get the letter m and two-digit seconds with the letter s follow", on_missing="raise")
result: 8h44
